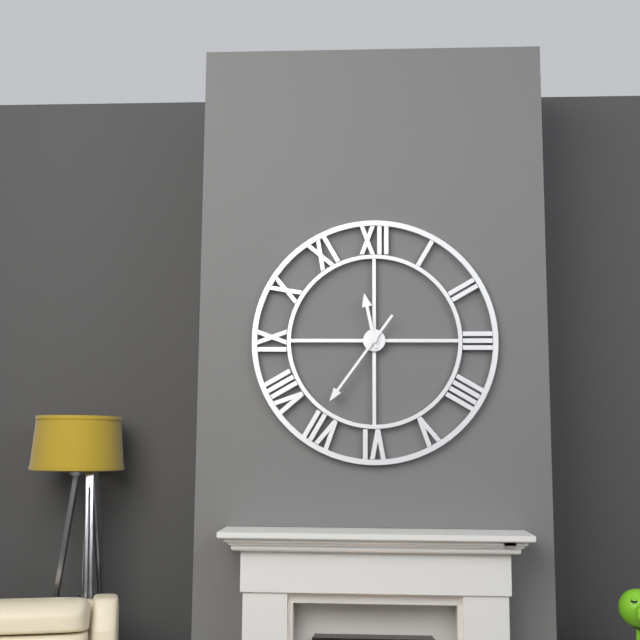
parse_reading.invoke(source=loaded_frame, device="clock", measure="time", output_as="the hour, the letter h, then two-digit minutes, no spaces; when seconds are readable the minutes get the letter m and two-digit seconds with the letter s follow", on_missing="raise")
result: 11h36
